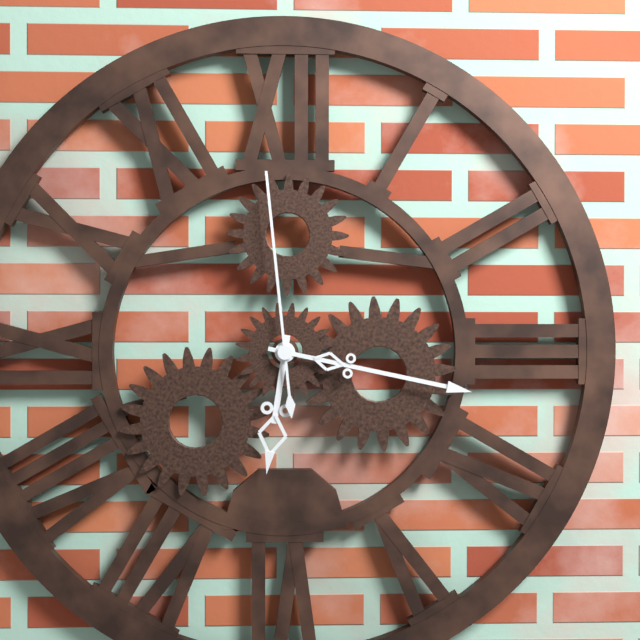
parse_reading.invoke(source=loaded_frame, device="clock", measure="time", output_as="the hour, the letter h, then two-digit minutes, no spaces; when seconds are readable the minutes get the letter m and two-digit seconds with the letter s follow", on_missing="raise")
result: 6h17m59s
